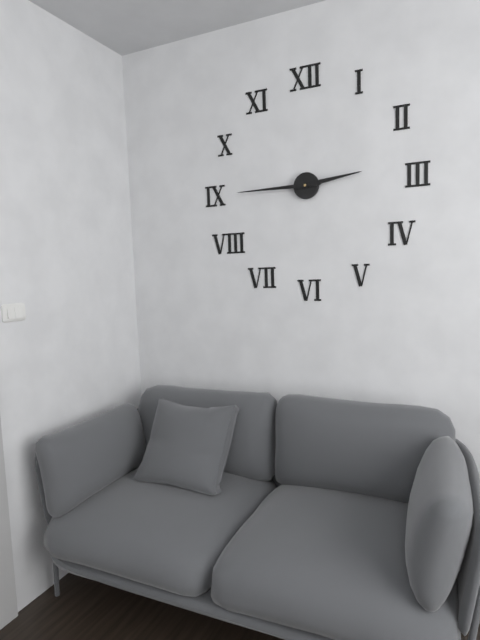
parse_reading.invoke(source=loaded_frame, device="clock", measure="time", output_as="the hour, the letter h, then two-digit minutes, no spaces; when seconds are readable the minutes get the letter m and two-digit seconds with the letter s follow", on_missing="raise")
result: 2h45
